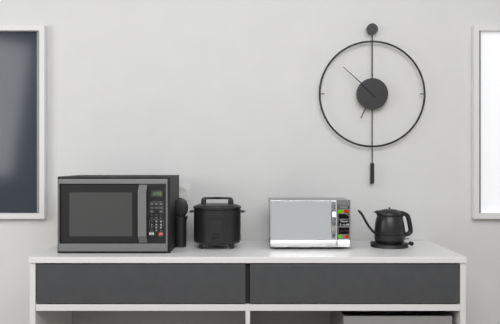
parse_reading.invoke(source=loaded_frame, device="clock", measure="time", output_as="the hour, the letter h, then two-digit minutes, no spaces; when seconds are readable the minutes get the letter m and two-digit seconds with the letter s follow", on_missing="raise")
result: 6h52
